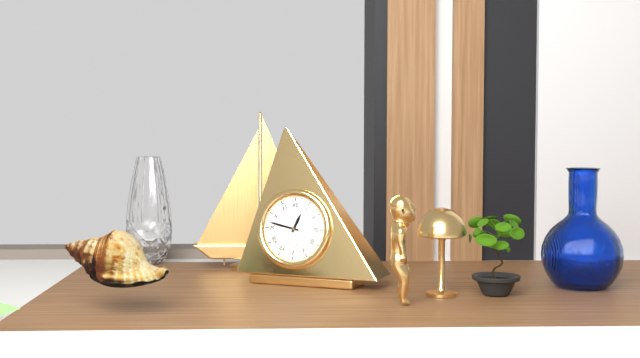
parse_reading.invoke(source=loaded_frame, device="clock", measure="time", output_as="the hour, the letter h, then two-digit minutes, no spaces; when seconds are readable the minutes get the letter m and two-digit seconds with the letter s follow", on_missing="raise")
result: 12h47
